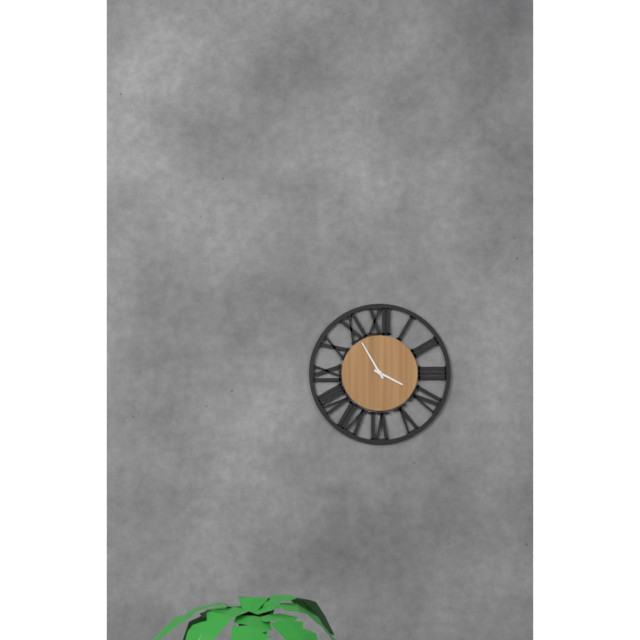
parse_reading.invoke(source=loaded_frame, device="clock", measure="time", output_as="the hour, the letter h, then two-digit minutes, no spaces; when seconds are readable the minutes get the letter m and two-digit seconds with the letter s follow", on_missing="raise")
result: 3h55
